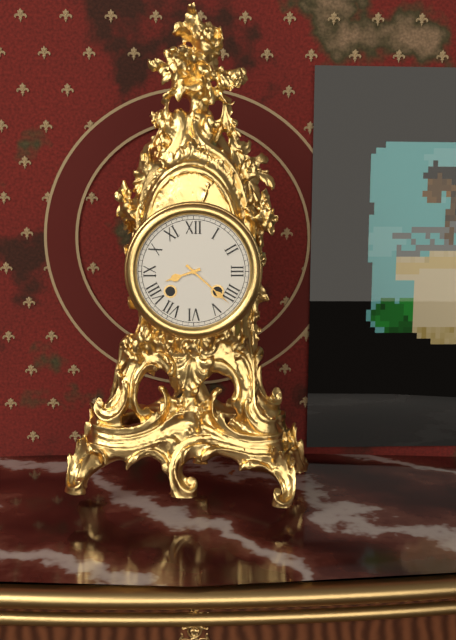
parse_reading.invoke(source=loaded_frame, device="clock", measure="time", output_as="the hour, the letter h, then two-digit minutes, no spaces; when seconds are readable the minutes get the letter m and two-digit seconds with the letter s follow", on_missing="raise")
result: 8h22
